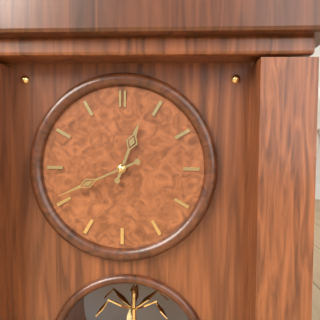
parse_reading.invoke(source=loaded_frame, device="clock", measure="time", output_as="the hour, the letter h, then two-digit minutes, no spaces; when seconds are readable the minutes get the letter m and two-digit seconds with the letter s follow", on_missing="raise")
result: 12h41
